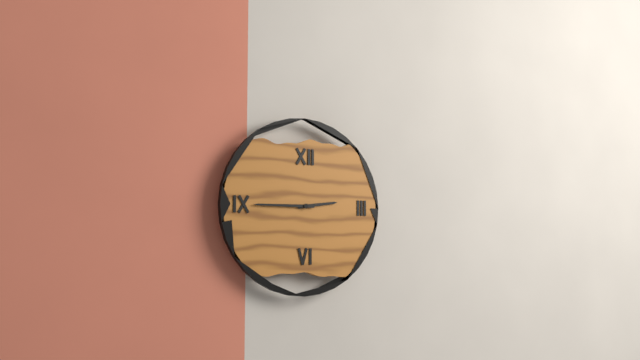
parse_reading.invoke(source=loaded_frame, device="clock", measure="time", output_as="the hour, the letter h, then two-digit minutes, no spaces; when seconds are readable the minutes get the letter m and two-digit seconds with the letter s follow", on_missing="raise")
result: 2h45
